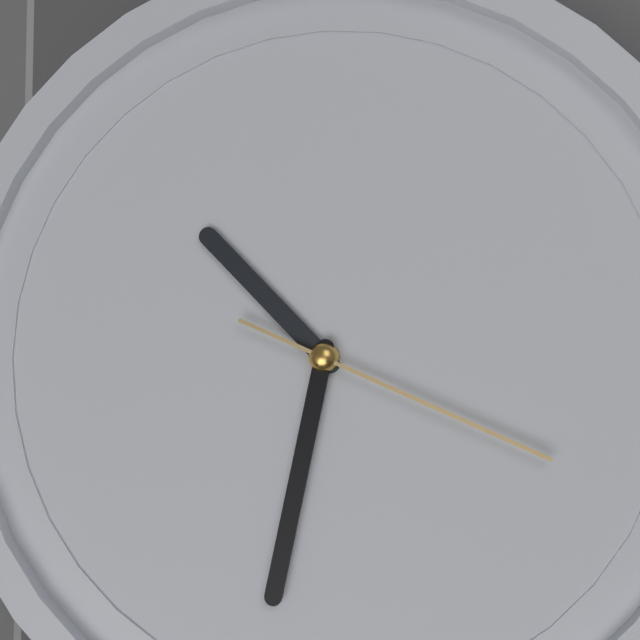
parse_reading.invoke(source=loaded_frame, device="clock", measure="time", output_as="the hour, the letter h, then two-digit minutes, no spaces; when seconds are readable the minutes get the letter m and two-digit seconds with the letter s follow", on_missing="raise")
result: 10h32m19s
